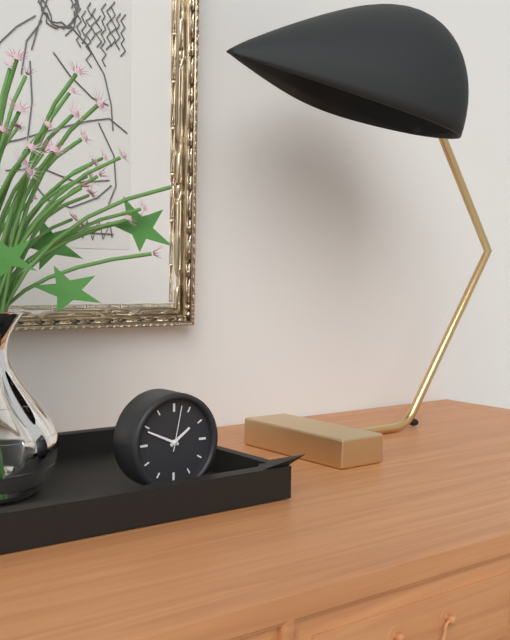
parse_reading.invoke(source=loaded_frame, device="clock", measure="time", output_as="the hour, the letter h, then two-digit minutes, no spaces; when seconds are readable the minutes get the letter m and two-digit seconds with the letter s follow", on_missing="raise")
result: 1h49
